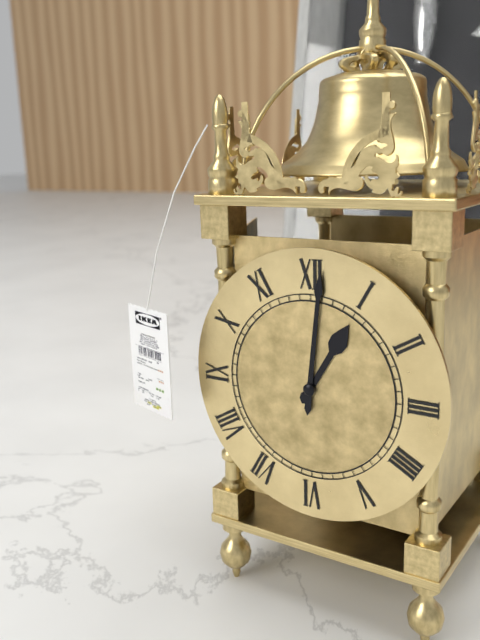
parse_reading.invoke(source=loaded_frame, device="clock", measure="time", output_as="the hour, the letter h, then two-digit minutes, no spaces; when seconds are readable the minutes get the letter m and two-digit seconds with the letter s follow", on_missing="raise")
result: 1h01
